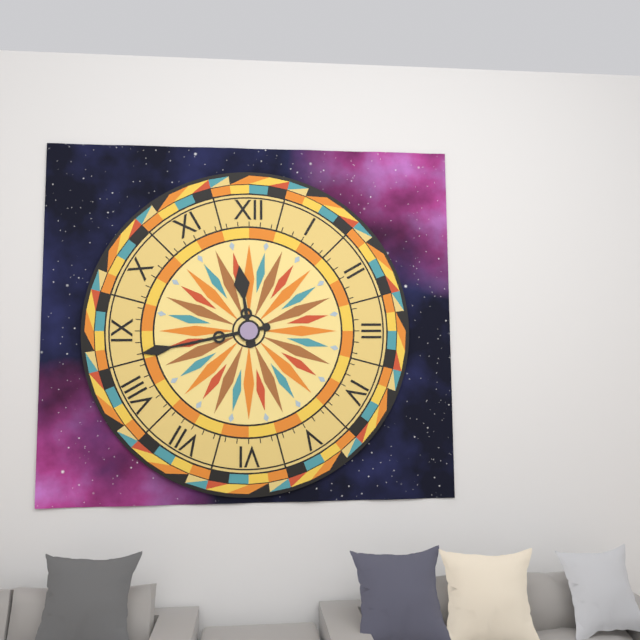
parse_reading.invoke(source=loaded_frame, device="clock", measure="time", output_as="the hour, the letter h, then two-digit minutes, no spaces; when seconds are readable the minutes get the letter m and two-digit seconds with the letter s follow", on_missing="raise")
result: 11h43
